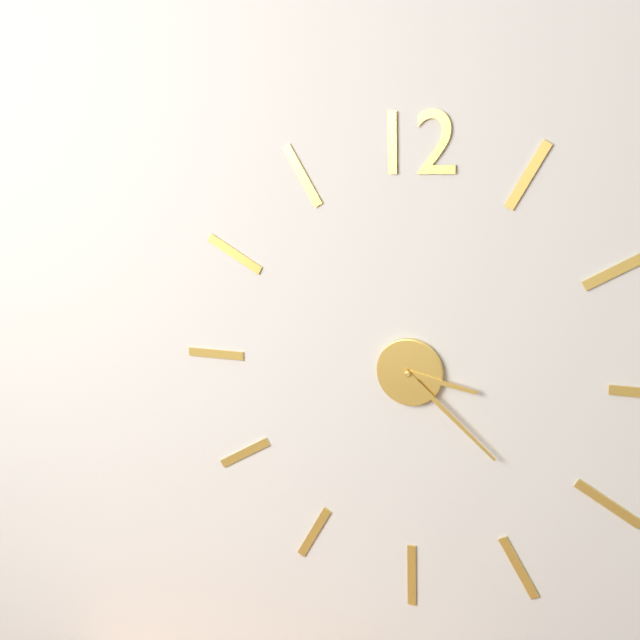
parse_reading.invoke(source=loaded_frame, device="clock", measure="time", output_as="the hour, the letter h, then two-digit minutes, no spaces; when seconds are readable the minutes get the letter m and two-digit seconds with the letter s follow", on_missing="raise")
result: 3h22
